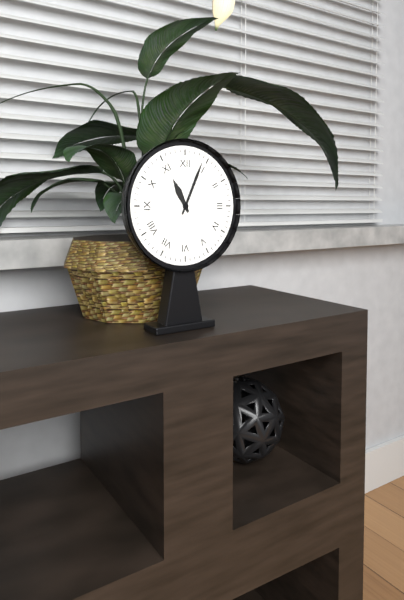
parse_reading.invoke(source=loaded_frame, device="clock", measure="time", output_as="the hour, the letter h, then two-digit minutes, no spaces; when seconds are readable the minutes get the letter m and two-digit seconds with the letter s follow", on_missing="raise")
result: 11h04
